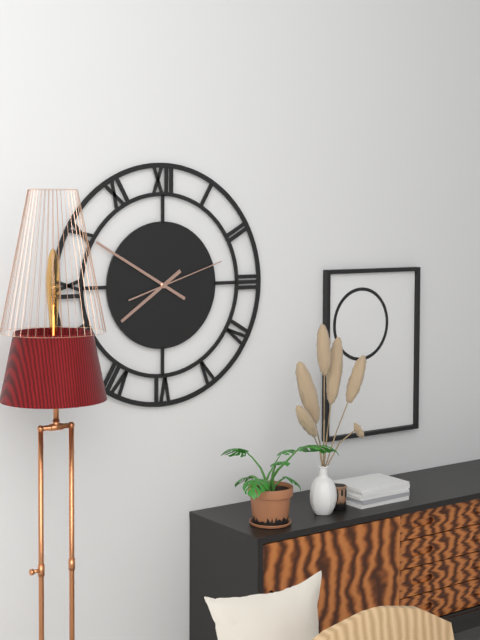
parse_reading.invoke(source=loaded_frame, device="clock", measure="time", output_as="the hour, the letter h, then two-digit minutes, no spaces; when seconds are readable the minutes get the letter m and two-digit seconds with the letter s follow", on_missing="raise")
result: 7h50m12s
